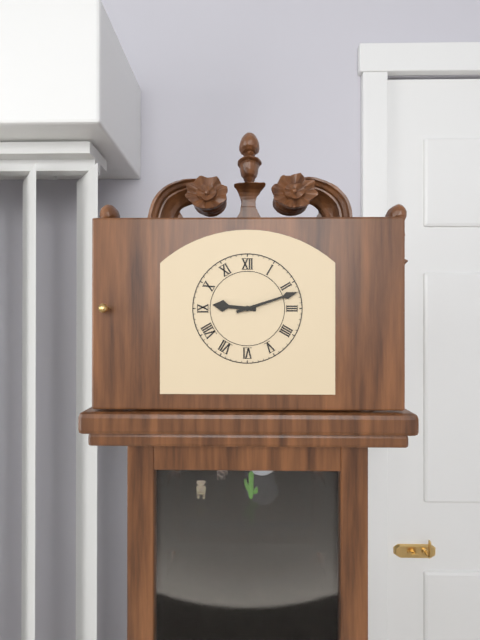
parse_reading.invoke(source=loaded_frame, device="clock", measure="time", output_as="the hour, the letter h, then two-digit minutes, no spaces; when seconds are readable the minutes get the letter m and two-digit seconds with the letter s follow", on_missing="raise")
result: 9h12
